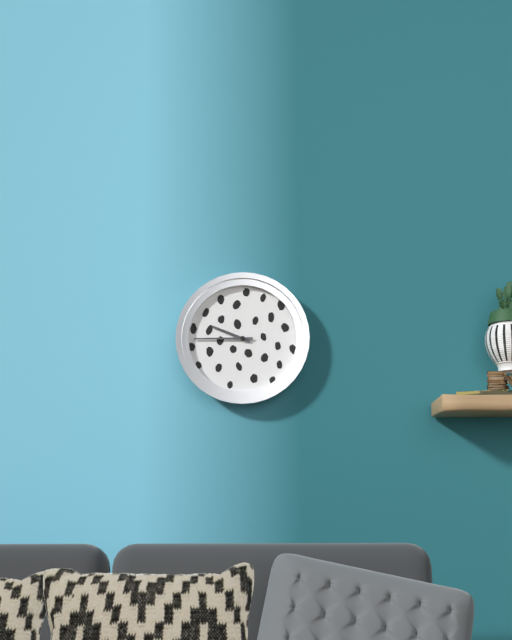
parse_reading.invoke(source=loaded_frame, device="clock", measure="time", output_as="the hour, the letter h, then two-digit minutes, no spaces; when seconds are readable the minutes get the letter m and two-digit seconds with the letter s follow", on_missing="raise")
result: 9h45
